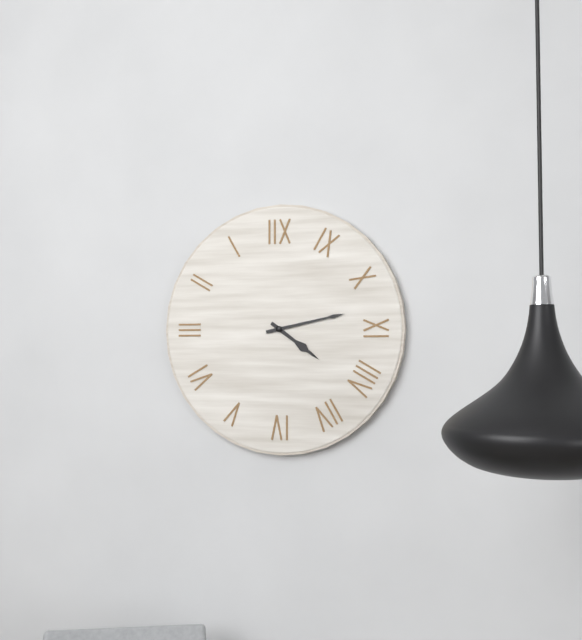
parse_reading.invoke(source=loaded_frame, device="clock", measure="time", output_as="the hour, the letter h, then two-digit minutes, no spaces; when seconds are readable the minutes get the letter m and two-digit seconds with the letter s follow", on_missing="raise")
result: 4h13
